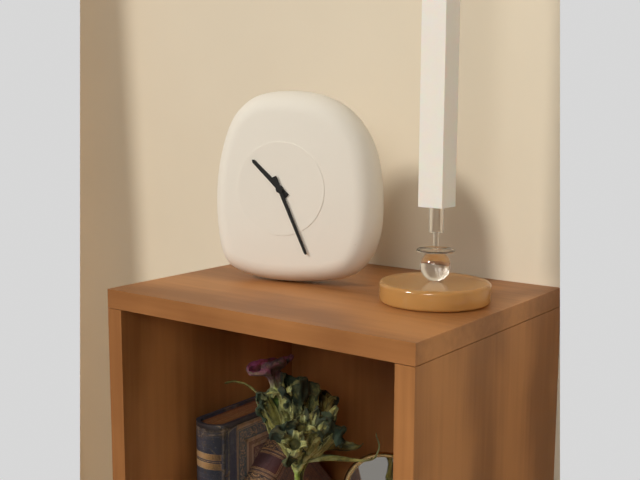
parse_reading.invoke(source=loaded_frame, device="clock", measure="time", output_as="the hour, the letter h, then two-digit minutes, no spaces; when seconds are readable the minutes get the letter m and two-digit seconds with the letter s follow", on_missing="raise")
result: 10h26
